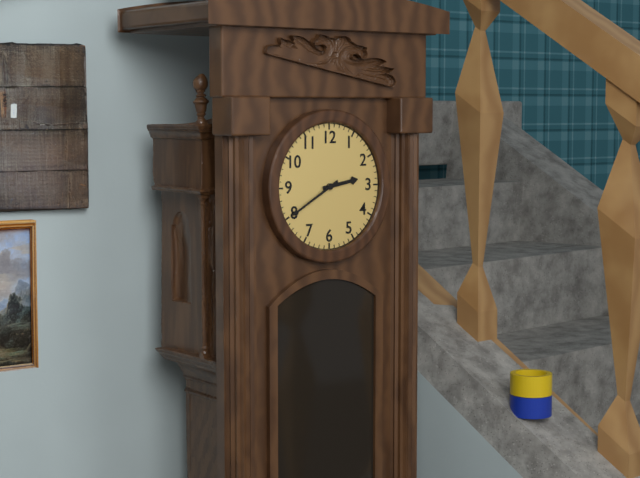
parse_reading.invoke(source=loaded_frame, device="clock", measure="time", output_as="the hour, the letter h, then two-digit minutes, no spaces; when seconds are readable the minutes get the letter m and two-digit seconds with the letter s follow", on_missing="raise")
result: 2h40
